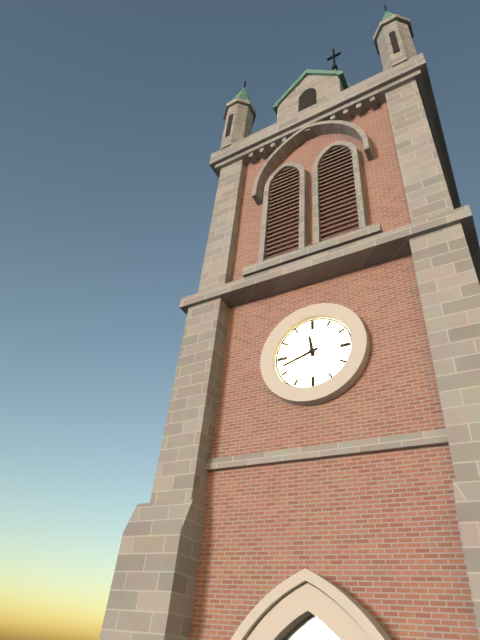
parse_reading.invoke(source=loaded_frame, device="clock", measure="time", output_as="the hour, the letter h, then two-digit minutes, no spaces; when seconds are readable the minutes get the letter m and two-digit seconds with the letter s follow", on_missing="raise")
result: 11h42
